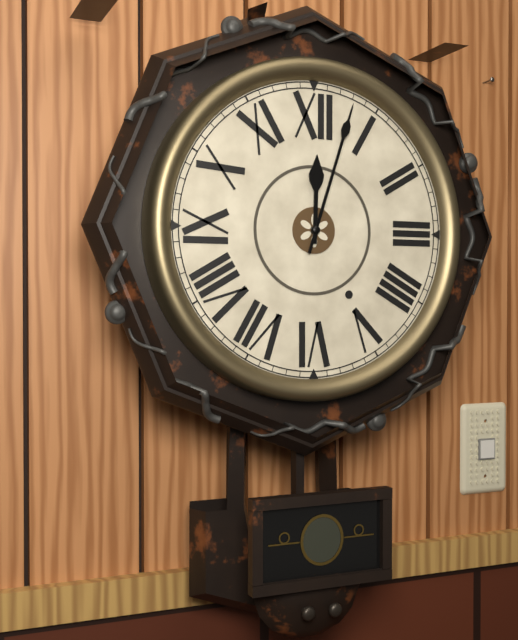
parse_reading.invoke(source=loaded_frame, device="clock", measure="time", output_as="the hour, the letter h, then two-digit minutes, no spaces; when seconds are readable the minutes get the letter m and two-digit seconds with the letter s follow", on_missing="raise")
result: 12h03
